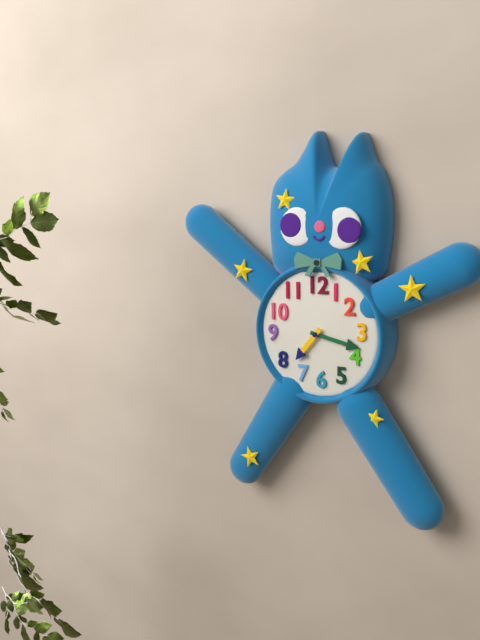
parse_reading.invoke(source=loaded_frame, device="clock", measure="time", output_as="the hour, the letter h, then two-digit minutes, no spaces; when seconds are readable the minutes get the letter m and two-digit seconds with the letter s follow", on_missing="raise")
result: 7h17
